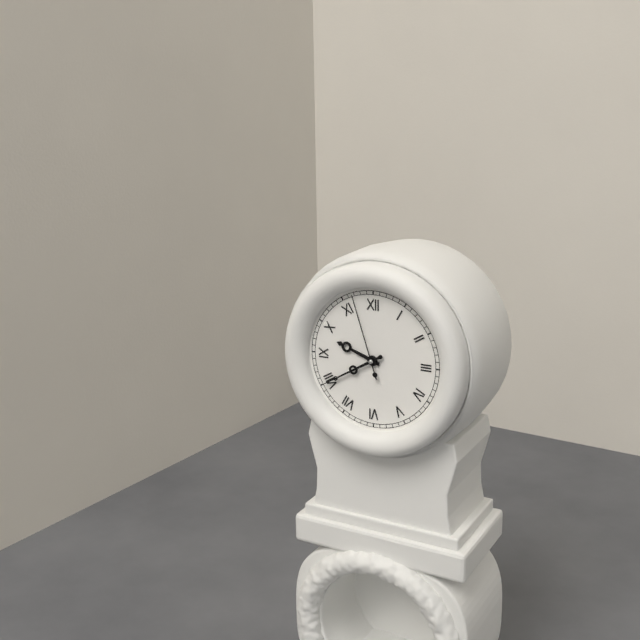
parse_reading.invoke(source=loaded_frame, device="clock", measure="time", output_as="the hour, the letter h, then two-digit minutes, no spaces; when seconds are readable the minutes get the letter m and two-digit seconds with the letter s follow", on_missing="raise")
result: 9h40m57s
